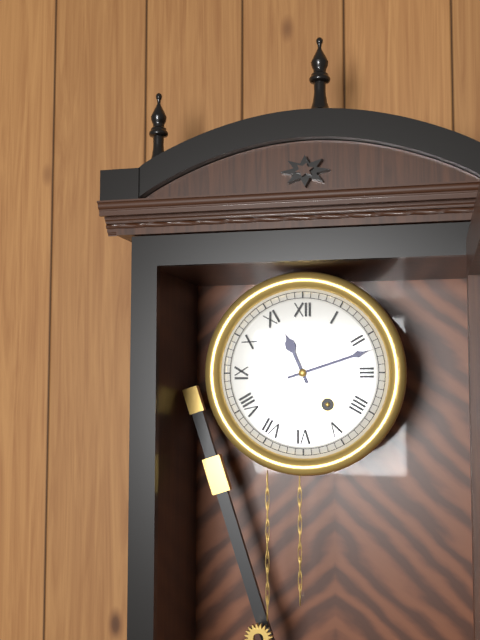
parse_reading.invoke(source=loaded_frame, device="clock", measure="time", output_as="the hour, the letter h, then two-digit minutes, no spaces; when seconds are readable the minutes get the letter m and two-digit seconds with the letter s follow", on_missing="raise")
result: 11h12
